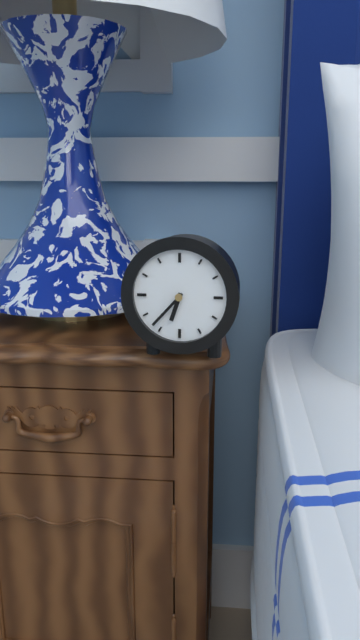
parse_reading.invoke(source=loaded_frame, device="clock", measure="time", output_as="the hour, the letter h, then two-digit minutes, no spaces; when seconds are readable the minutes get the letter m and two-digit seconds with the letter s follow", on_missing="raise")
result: 6h37
